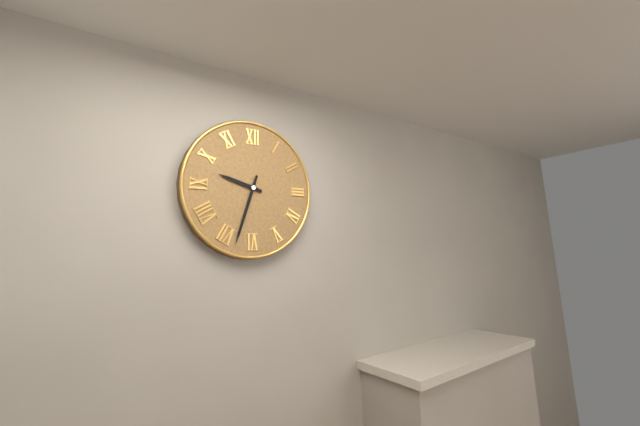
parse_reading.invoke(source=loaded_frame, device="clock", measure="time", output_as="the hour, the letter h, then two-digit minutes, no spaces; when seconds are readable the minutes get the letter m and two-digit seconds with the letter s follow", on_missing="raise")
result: 9h33
